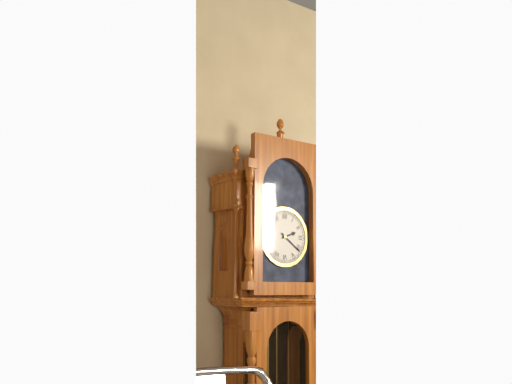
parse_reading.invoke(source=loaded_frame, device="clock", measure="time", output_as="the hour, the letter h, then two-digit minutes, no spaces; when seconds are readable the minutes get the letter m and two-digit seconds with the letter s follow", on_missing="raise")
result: 2h21
